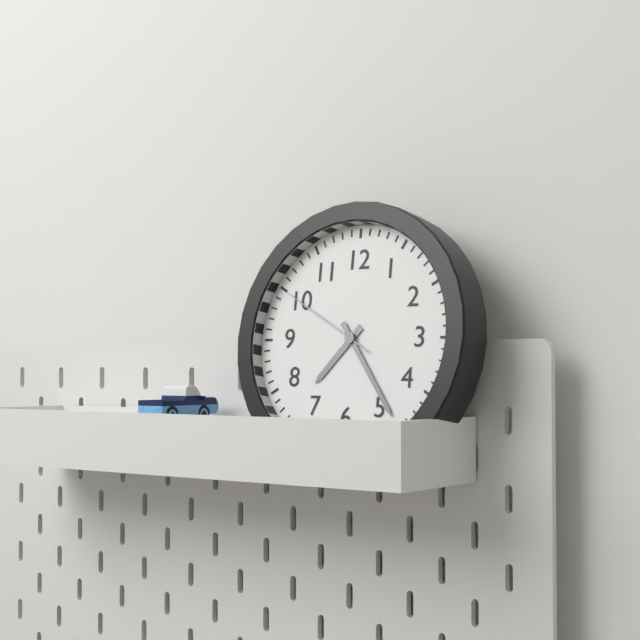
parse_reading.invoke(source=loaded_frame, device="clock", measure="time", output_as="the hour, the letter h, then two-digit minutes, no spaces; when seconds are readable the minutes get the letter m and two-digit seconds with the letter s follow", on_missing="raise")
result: 7h24m50s
